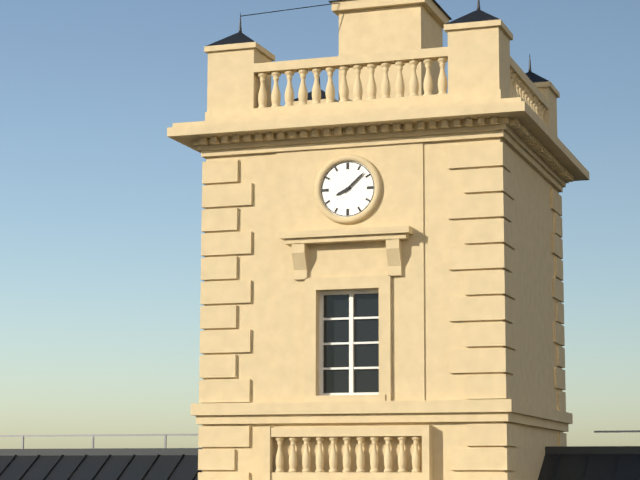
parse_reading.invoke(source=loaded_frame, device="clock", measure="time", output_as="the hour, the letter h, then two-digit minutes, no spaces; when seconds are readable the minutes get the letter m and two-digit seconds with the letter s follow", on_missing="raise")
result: 8h08
